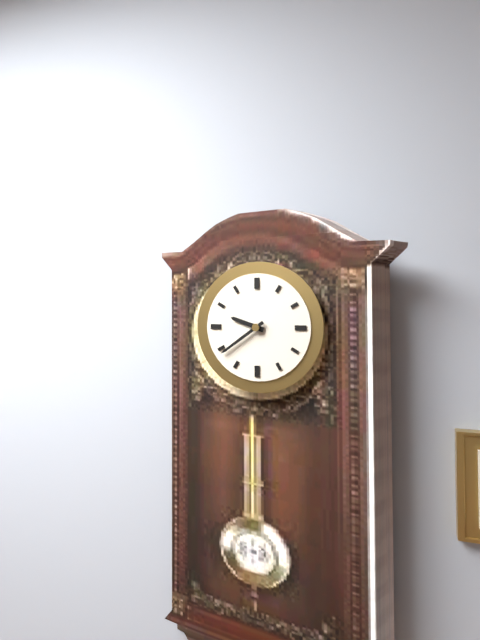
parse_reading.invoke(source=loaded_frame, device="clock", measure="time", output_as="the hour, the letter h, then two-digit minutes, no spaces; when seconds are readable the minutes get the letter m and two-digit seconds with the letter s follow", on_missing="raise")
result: 9h39
